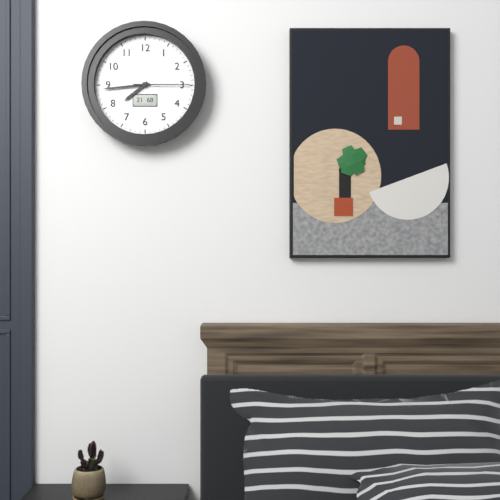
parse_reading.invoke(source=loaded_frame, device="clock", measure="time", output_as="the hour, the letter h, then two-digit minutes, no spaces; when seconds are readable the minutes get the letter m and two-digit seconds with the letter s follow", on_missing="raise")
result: 7h44m15s
